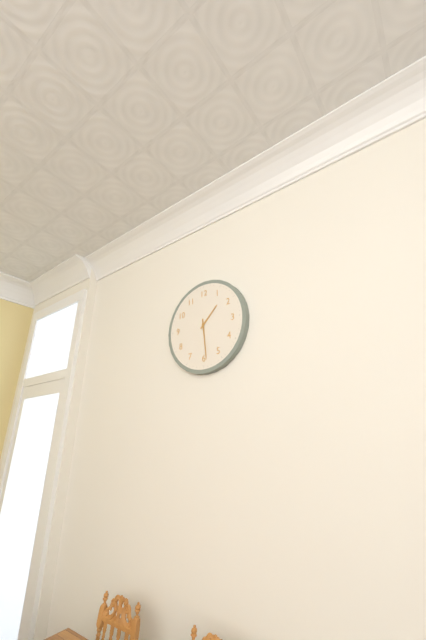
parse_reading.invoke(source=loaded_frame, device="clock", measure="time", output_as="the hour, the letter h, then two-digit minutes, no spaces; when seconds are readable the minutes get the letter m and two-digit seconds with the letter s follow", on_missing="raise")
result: 1h29
